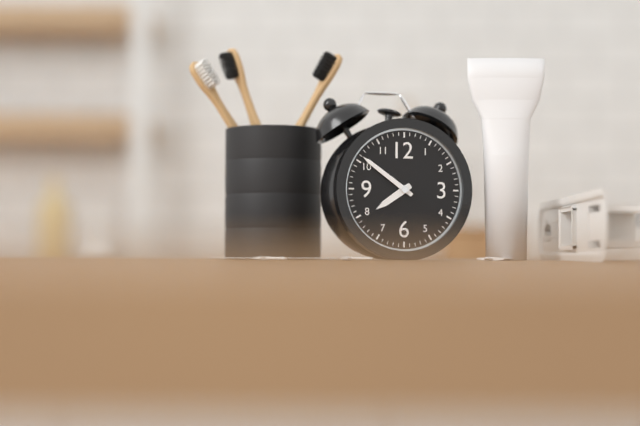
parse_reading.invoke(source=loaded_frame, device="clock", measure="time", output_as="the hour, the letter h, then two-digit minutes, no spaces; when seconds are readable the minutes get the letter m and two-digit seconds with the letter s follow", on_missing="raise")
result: 7h51
